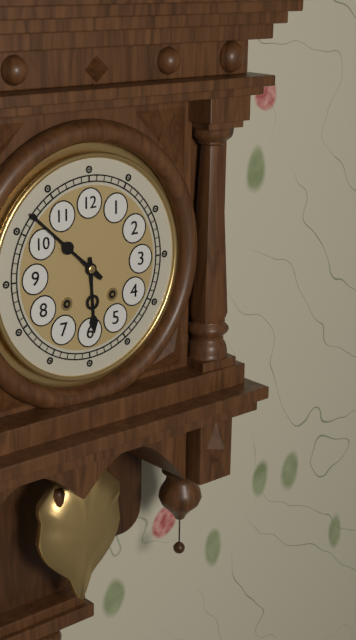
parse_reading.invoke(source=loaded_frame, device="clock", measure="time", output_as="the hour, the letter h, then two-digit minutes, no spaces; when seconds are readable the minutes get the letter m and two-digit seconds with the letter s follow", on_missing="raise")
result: 5h52
